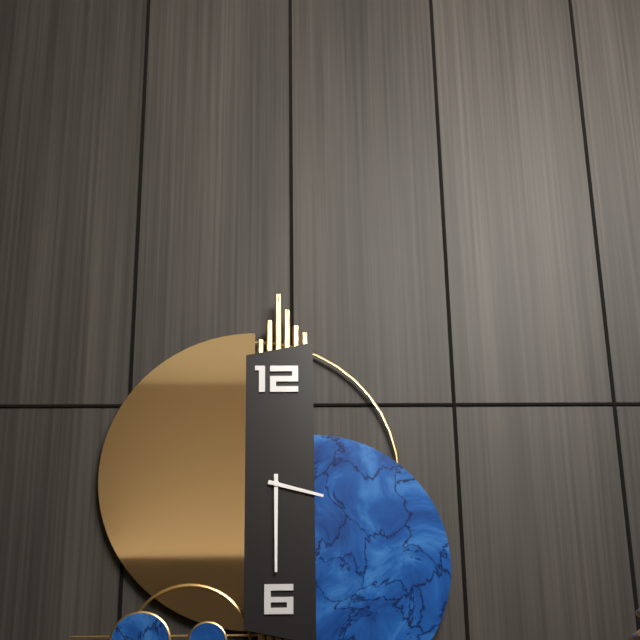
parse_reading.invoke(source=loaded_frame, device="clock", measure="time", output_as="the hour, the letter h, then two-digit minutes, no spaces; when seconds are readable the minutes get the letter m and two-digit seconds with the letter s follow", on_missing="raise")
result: 3h30
